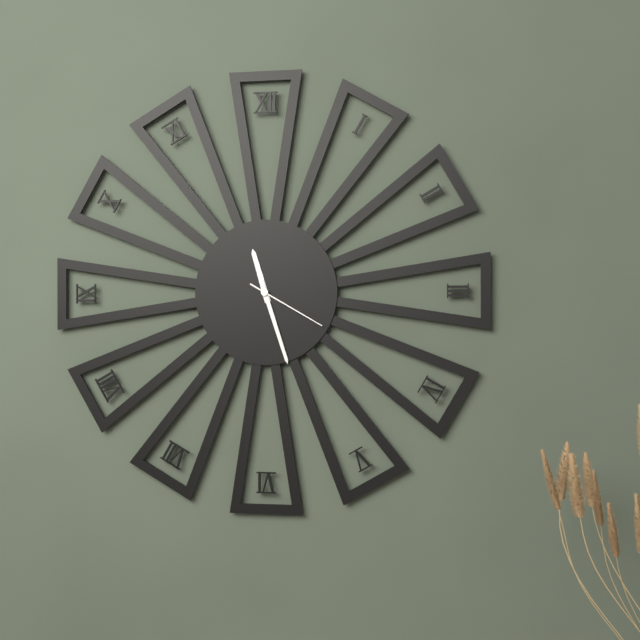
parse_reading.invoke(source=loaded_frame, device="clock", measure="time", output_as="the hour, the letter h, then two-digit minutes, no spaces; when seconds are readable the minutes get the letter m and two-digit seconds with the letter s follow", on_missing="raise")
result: 11h27m20s
